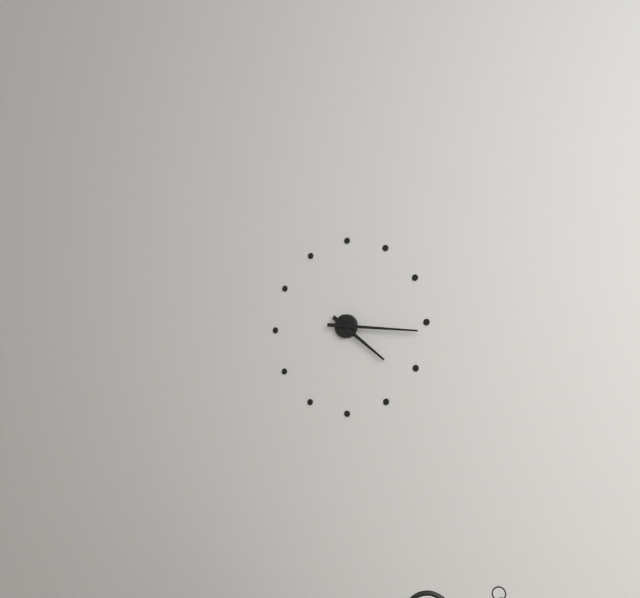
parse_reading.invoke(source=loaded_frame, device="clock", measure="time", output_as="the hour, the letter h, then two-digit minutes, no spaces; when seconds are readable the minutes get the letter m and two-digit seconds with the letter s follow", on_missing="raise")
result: 4h16
